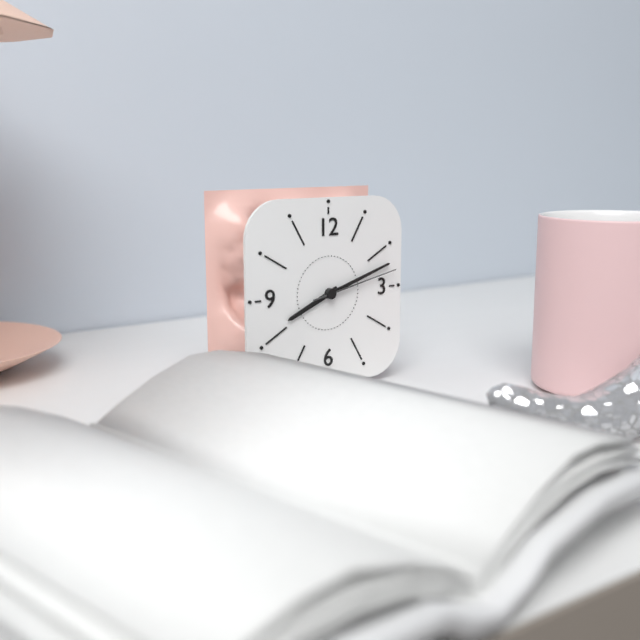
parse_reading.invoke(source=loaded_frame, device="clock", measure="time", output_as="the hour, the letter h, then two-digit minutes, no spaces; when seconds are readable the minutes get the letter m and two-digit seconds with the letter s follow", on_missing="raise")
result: 8h12m13s
